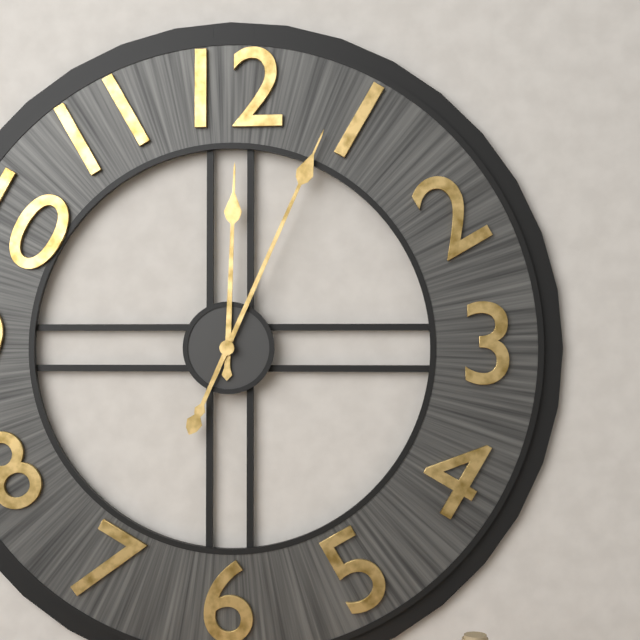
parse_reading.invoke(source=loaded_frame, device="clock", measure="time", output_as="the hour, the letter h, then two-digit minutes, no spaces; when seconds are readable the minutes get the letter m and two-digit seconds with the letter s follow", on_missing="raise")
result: 12h04
